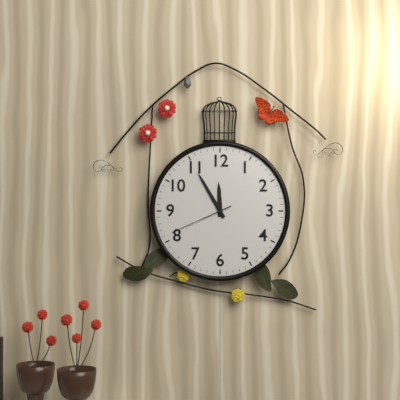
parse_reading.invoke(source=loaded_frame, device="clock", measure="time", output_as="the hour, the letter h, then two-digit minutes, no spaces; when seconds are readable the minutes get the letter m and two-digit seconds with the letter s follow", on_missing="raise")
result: 11h55m41s
